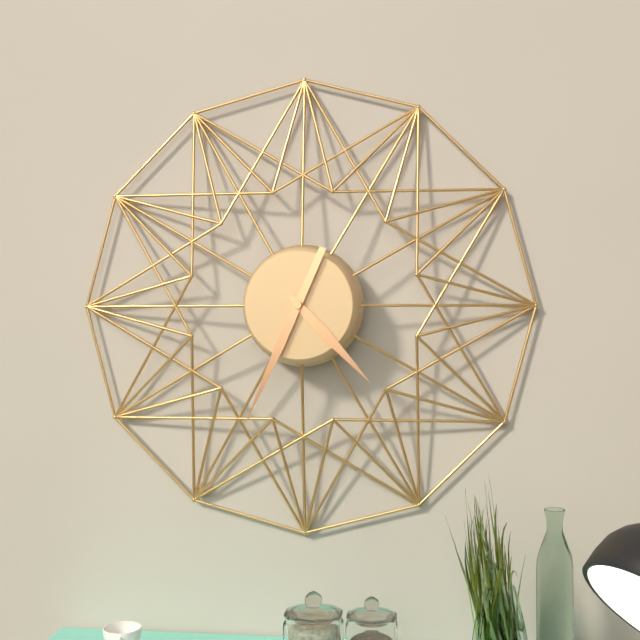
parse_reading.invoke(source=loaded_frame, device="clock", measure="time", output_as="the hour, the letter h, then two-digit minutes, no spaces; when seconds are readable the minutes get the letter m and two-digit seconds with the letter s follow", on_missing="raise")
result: 4h34
